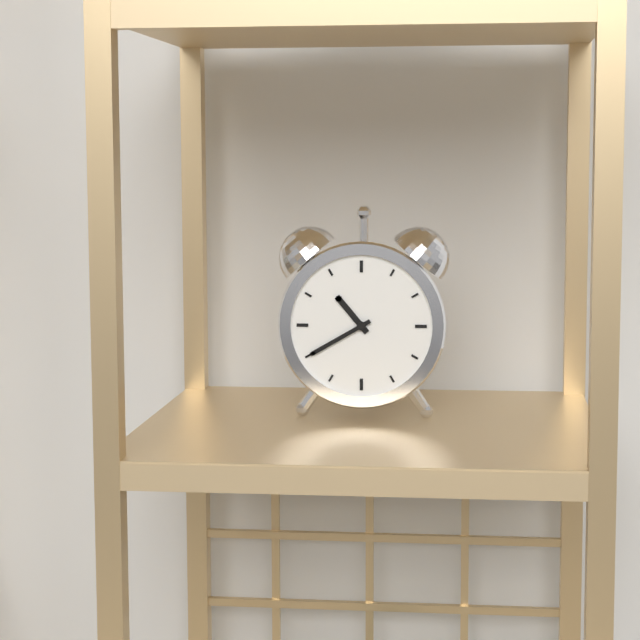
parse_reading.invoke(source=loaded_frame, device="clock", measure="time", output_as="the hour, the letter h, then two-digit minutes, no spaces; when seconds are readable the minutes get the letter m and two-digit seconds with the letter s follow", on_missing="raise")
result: 10h40
